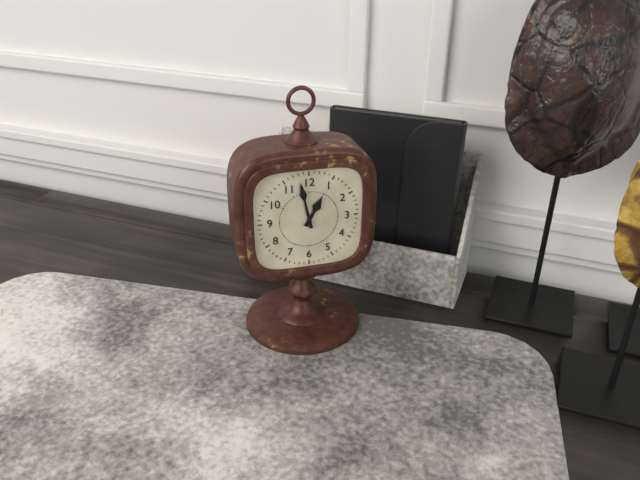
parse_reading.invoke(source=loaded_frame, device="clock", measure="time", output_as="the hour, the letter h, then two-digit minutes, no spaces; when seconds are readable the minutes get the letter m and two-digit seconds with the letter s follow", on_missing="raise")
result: 12h58
